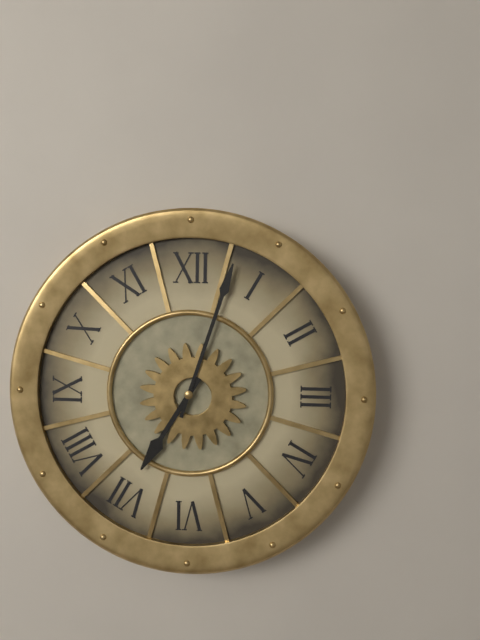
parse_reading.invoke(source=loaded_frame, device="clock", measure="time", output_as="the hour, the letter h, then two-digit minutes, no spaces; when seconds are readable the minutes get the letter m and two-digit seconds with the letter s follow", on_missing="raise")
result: 7h03
